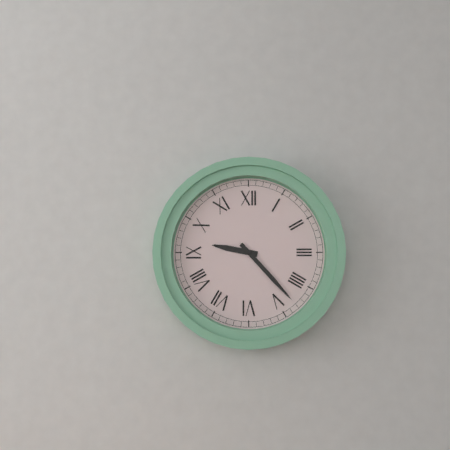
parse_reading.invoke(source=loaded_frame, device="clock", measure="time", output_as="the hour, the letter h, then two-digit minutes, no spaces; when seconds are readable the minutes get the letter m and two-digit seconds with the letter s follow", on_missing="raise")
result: 9h23
